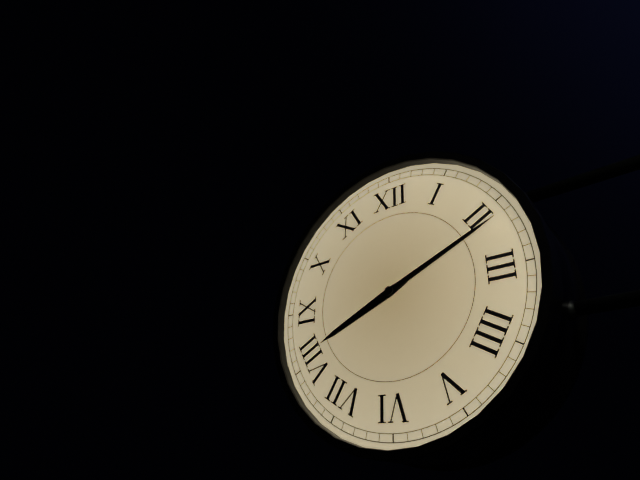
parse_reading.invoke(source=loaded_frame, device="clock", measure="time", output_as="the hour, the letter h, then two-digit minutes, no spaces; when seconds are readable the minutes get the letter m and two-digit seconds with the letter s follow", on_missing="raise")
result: 8h11
